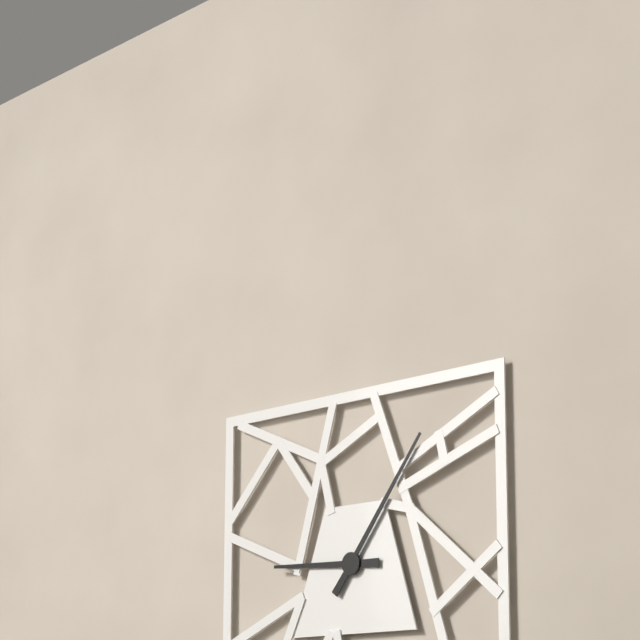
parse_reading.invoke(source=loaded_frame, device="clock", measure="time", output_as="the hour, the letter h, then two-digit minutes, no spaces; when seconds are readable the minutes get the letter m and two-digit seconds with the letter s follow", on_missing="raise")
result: 9h06
